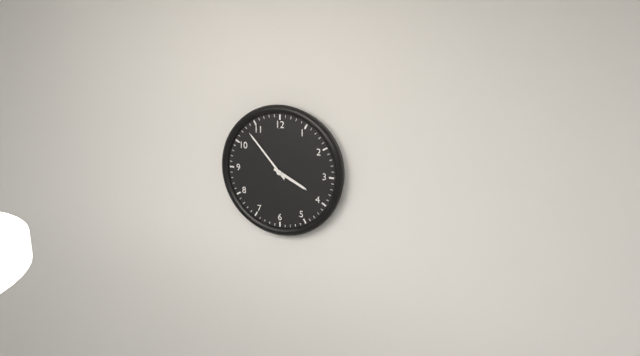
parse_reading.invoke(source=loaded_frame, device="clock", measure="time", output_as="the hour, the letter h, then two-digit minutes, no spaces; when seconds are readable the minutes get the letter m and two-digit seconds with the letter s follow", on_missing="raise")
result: 3h53
